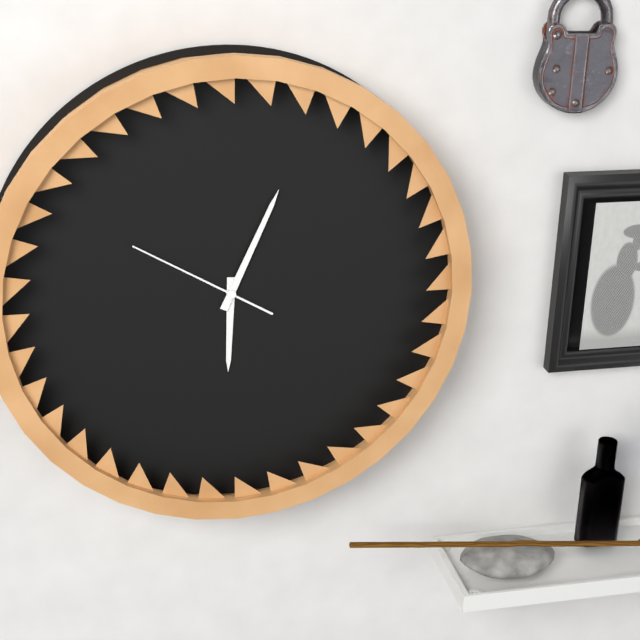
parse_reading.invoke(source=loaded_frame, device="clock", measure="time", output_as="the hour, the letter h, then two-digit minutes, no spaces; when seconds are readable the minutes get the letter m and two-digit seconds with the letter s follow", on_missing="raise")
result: 6h04m50s
